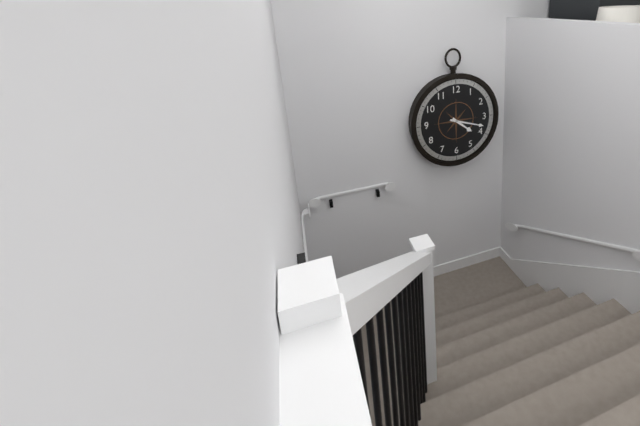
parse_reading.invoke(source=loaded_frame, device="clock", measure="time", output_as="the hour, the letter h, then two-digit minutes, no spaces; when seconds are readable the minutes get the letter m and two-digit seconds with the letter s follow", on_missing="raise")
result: 4h18
